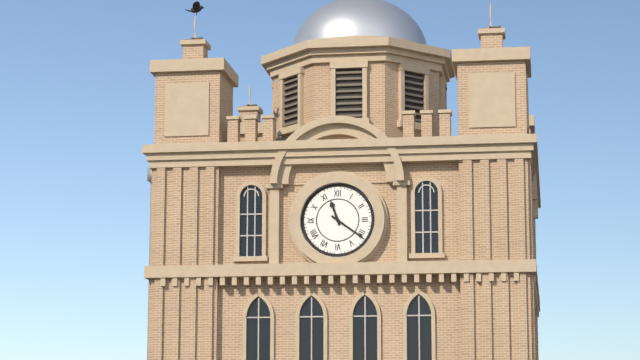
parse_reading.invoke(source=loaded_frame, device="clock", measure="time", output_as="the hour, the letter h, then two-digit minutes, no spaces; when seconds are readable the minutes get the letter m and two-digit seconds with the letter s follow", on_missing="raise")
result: 11h21
